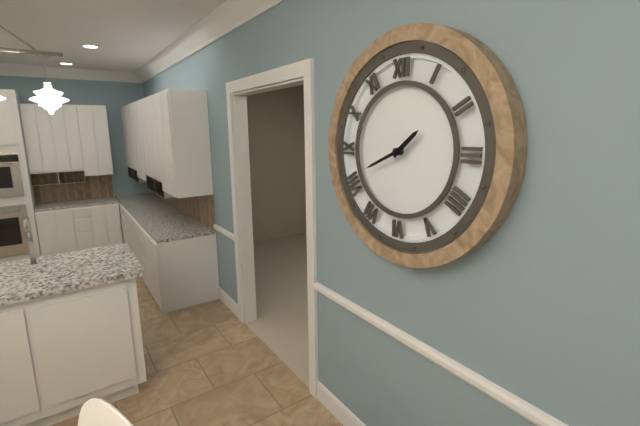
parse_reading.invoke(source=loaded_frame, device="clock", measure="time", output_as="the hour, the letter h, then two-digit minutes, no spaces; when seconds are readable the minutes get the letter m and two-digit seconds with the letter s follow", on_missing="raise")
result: 1h41
